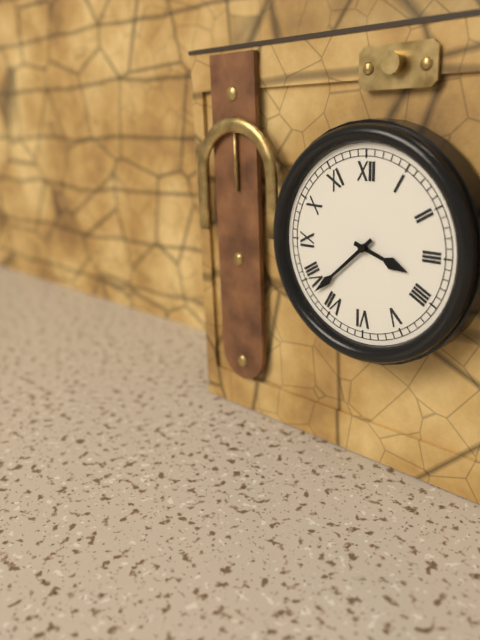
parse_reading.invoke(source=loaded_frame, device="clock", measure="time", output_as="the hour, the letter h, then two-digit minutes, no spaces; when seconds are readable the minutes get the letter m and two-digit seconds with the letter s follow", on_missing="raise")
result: 3h38
